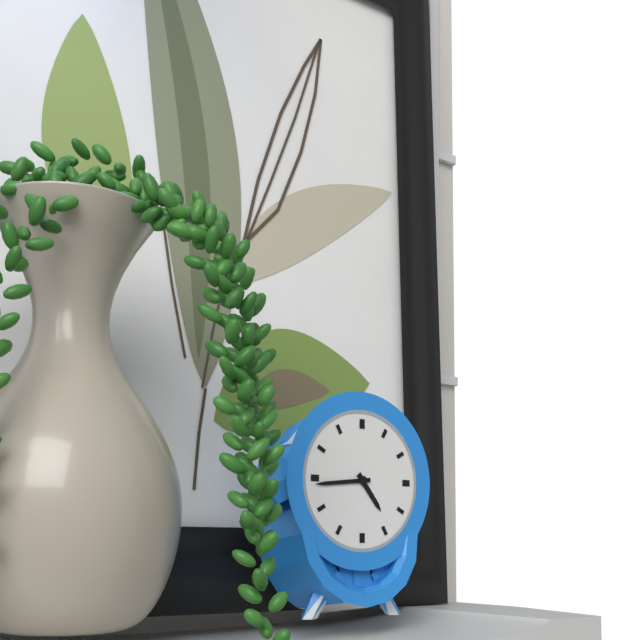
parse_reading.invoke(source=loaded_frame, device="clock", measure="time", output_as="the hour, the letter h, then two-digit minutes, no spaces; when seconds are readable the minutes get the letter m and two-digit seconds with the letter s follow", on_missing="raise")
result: 4h44
